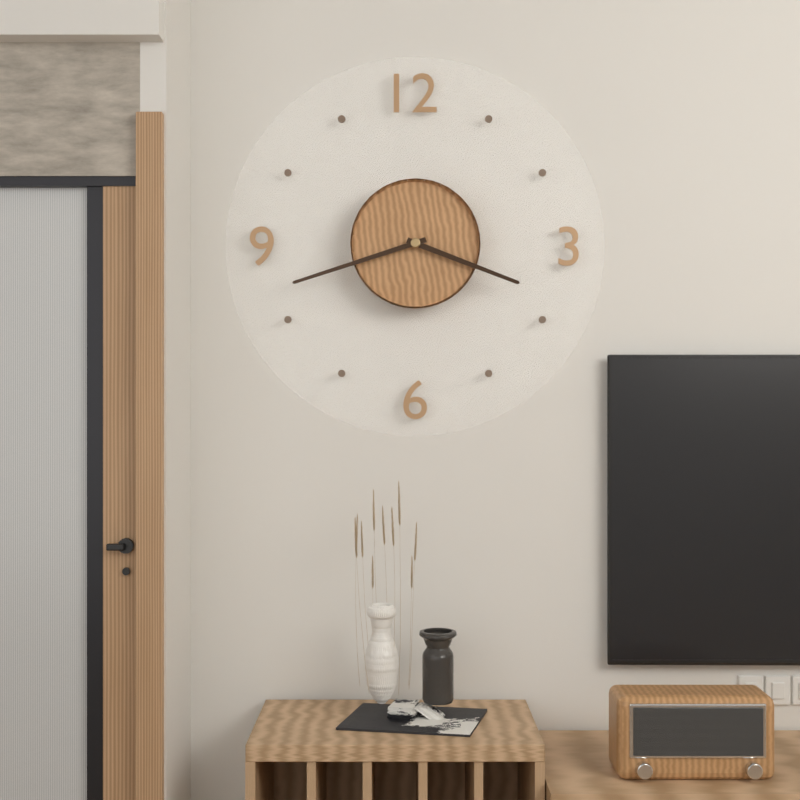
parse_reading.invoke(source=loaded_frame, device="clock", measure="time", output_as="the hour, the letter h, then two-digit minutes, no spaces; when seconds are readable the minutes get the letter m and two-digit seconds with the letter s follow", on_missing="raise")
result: 3h42
